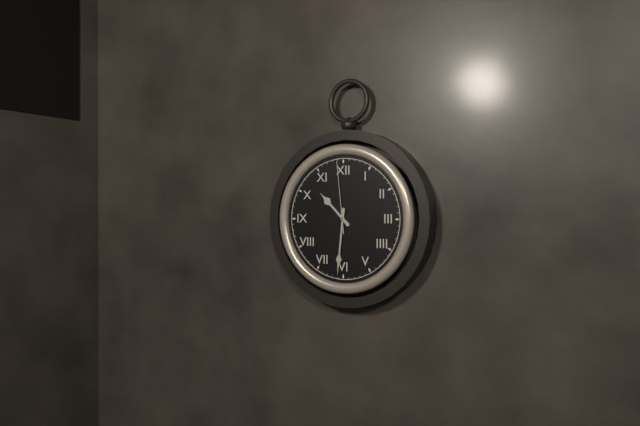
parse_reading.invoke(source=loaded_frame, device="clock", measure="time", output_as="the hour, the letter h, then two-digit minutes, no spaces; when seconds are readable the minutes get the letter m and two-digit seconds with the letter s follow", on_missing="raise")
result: 10h31m59s
